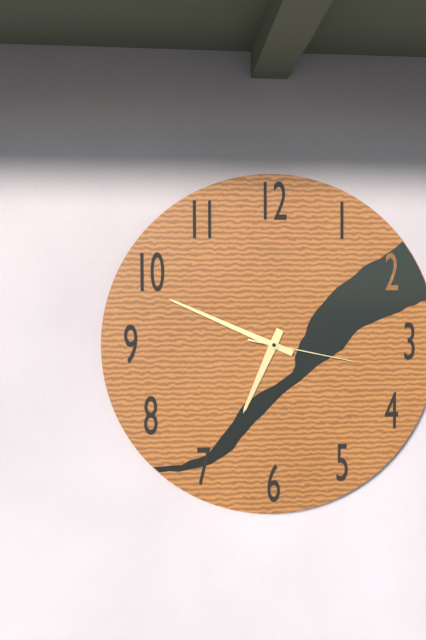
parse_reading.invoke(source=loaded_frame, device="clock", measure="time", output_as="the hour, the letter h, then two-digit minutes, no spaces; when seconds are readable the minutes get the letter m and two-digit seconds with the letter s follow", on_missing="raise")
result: 6h49m17s
